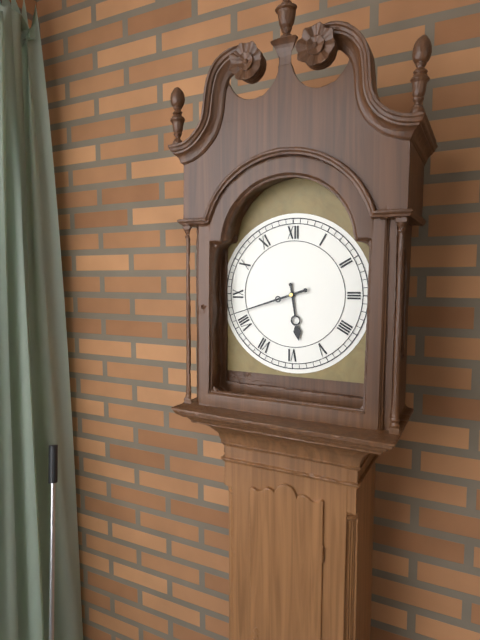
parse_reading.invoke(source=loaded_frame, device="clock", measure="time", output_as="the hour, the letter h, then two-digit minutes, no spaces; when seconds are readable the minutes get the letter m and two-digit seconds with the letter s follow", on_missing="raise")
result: 5h42
